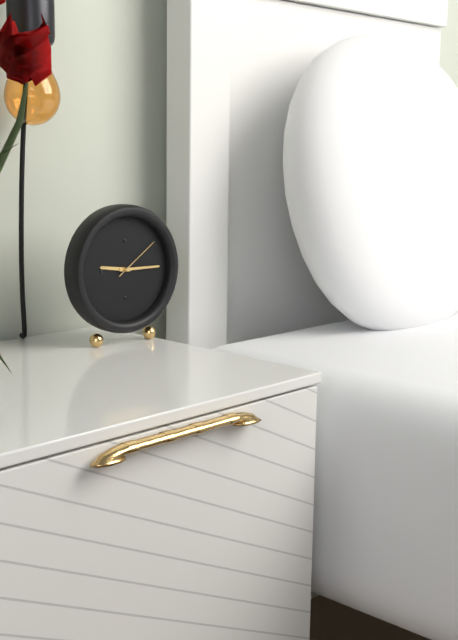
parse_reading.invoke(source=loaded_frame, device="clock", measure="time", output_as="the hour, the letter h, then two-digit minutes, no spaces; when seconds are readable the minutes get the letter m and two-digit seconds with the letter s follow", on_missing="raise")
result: 9h15
